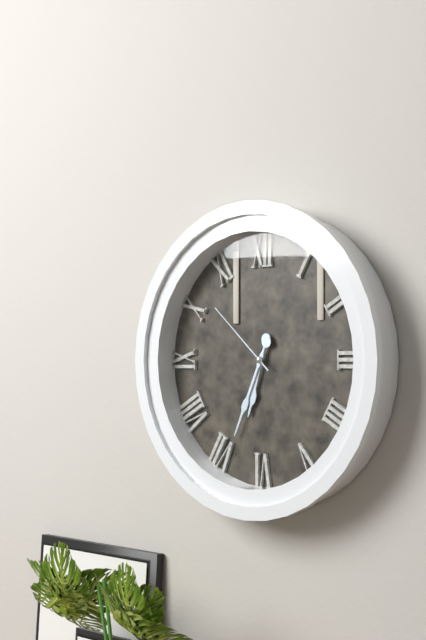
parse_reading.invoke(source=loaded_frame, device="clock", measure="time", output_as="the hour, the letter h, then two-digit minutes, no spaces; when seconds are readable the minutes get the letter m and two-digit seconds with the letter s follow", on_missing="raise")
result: 6h34m52s
